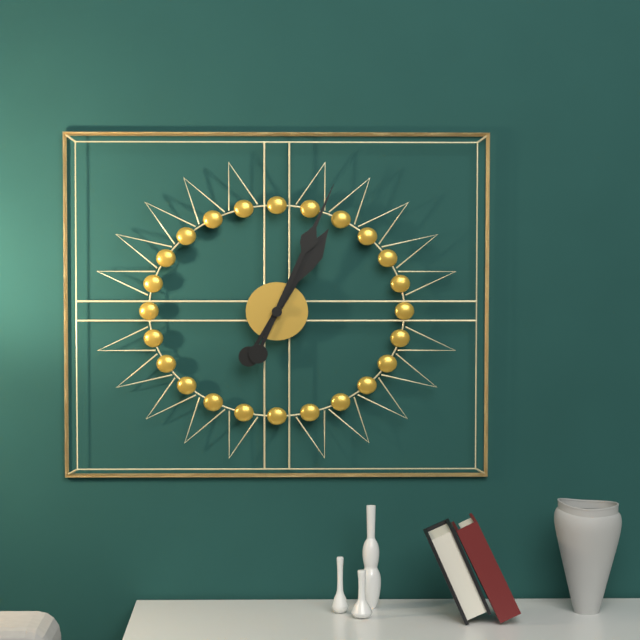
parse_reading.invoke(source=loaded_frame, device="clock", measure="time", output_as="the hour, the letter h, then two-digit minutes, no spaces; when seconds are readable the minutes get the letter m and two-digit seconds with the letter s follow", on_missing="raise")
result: 1h04
